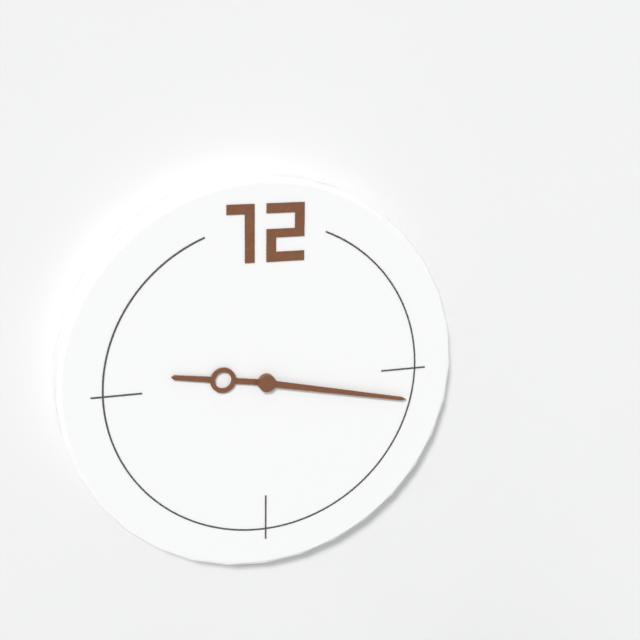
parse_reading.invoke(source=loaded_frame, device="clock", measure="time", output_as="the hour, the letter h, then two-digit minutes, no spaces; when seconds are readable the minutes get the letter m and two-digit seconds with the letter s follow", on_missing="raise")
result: 9h17
